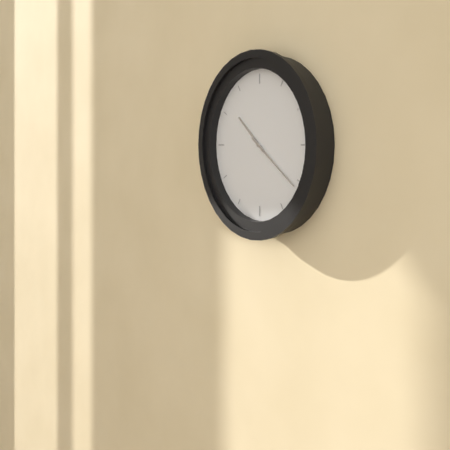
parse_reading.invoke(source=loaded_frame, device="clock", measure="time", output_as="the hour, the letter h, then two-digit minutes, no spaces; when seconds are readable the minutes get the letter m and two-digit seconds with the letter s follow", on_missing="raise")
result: 10h21
